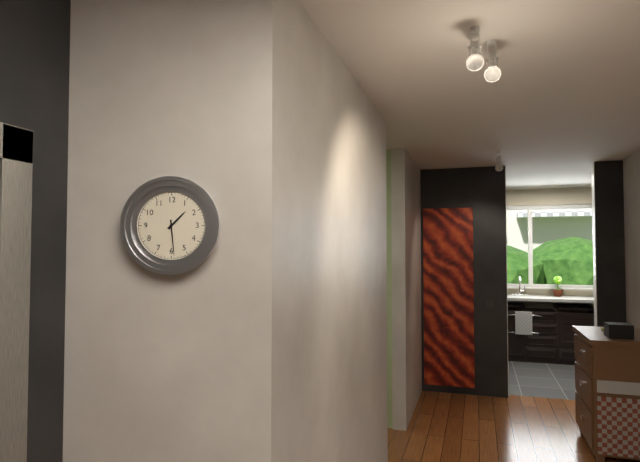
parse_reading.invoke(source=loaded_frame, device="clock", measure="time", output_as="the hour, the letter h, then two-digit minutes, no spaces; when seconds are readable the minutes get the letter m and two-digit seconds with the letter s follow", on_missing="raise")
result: 1h29
